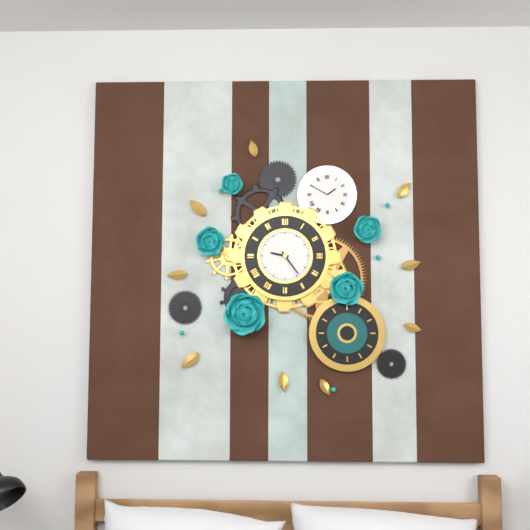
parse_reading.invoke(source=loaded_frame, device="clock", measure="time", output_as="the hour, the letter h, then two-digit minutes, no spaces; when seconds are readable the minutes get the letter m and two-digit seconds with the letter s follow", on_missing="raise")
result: 9h24
